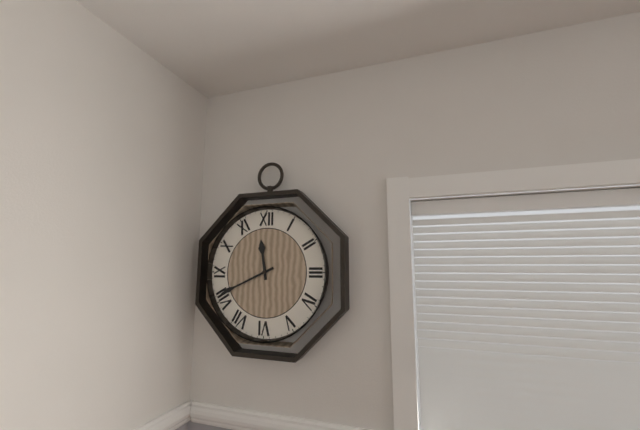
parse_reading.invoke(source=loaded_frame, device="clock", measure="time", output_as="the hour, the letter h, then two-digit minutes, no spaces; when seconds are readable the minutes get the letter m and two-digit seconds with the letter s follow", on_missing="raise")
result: 11h41
